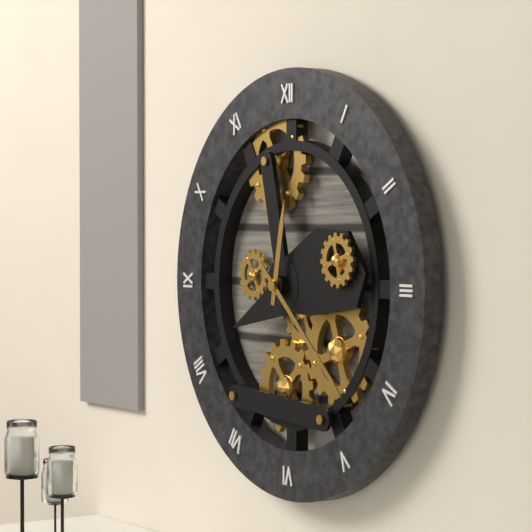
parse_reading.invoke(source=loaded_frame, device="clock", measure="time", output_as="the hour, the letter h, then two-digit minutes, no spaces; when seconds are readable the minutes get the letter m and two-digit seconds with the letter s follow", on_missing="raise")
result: 12h22
